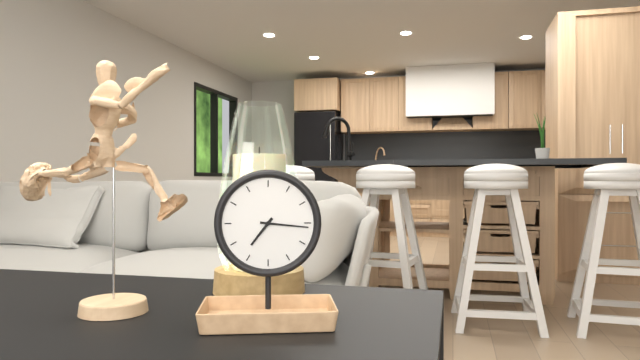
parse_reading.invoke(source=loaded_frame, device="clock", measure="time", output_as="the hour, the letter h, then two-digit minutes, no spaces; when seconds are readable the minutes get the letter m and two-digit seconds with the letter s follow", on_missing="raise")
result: 7h16
